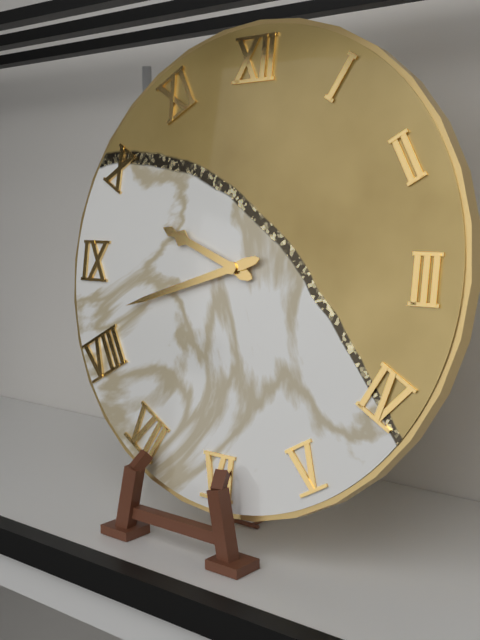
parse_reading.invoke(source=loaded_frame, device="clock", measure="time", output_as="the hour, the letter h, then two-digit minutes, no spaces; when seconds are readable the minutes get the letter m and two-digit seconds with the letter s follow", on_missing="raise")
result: 9h42
